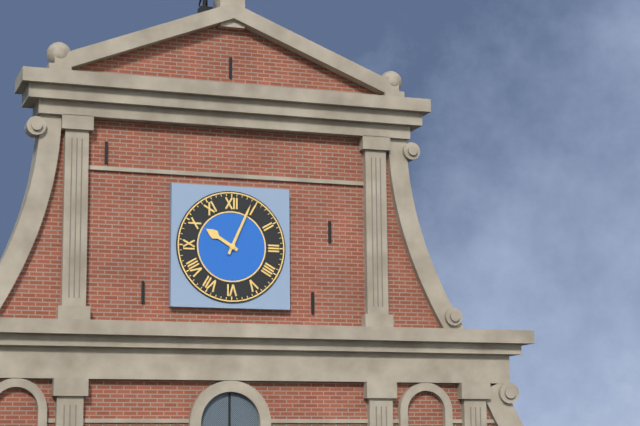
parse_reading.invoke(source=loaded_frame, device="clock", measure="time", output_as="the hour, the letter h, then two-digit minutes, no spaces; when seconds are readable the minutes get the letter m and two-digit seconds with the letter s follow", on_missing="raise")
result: 10h04
